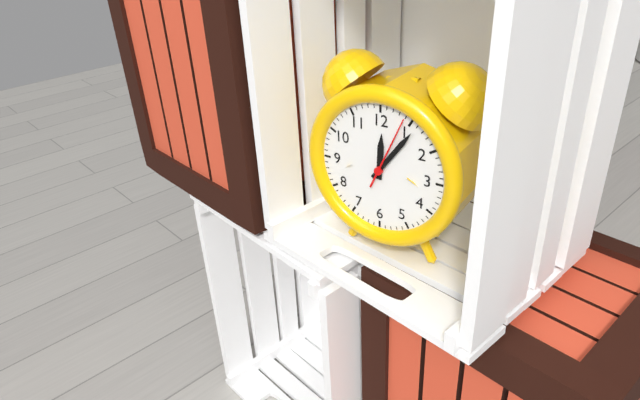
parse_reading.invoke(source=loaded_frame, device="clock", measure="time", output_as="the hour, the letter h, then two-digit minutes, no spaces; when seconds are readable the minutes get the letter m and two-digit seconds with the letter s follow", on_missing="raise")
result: 12h06m04s
